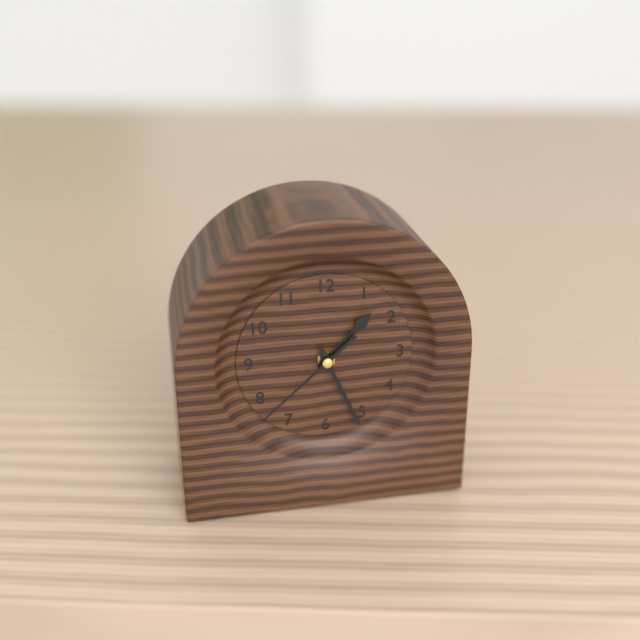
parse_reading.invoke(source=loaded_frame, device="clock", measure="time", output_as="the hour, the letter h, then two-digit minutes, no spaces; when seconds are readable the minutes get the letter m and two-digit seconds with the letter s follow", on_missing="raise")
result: 1h26m38s
